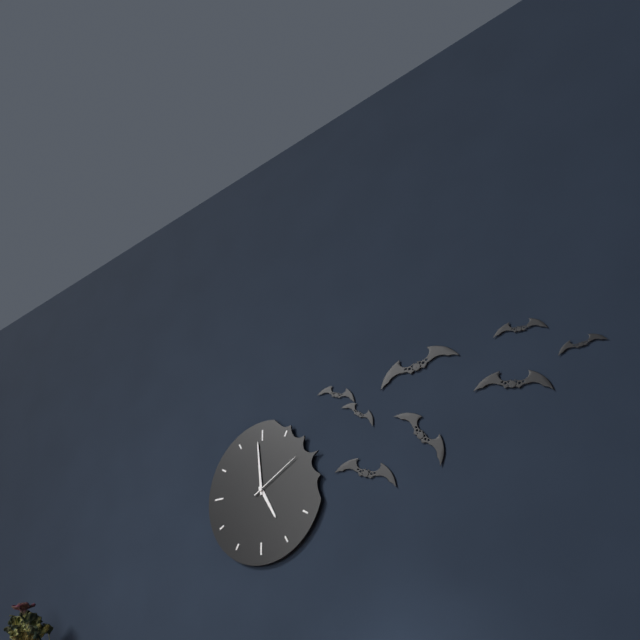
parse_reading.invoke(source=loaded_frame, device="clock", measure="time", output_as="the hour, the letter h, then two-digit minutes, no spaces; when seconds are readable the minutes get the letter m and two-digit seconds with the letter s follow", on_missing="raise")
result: 4h59m10s
